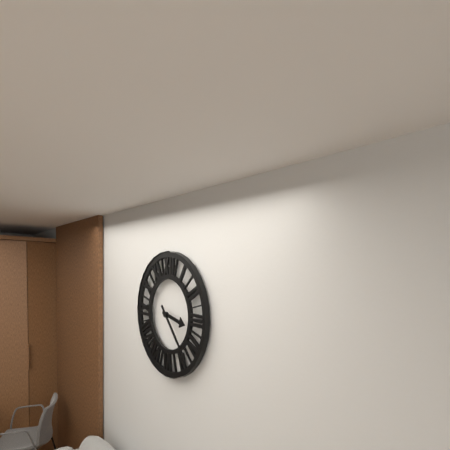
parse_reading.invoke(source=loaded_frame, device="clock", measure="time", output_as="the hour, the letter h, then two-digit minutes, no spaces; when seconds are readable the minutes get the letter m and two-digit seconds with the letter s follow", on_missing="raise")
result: 3h23
